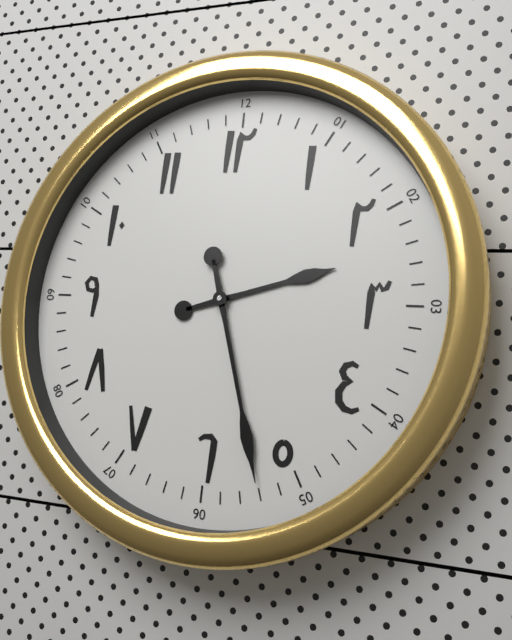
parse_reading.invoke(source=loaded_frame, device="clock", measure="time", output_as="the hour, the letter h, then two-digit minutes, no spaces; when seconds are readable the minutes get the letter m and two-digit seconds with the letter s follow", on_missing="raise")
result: 2h27
